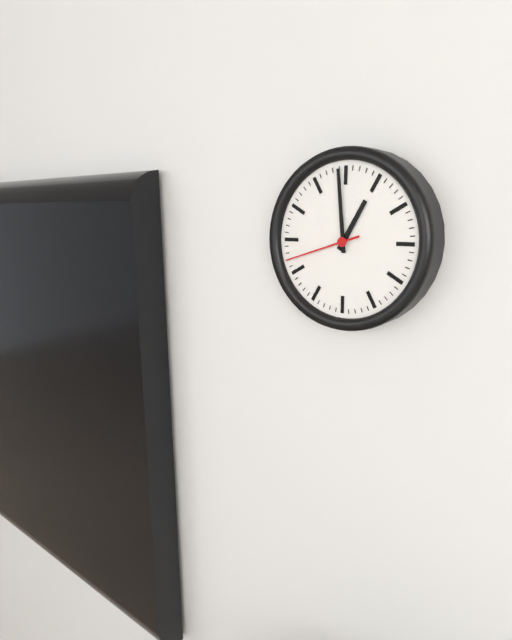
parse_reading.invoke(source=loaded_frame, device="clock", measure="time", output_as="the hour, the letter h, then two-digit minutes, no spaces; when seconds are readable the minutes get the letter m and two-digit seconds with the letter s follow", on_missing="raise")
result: 12h59m42s
